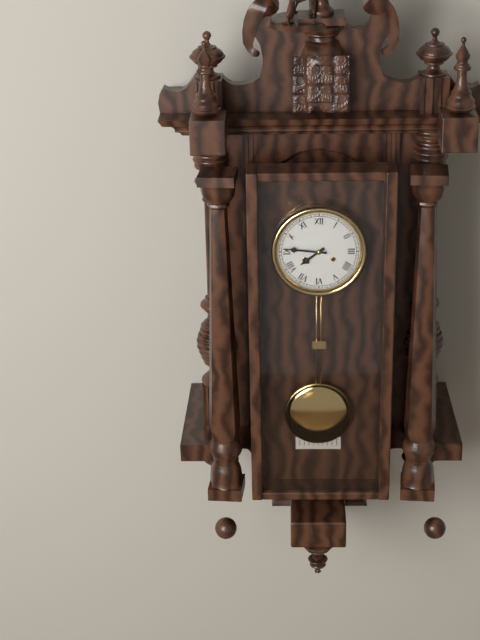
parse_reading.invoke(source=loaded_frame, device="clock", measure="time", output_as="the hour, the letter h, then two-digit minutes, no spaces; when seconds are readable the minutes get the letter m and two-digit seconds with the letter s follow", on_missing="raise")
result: 7h46
